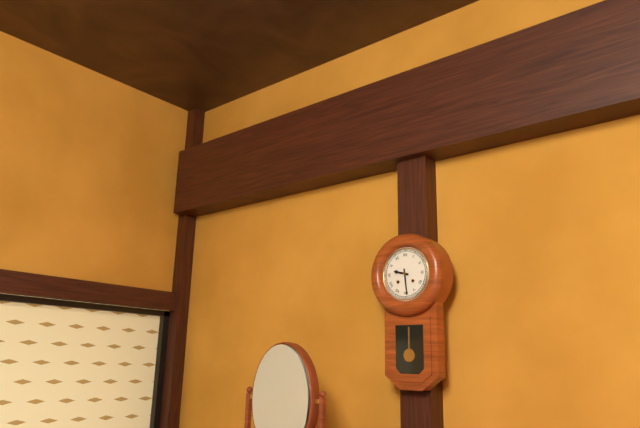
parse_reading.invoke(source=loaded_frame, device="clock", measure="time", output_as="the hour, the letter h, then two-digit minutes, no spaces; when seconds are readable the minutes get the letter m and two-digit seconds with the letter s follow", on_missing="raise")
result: 9h29
